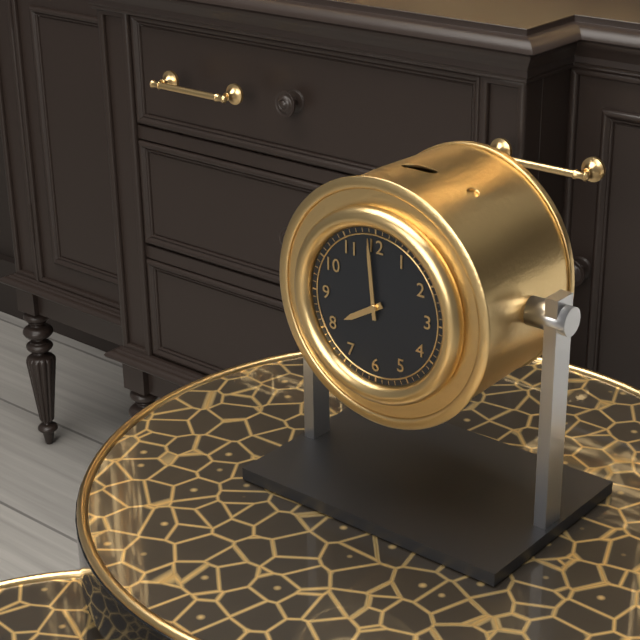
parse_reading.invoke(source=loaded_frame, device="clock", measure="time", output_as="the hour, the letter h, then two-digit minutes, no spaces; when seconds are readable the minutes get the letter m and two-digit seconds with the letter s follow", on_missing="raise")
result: 7h59
